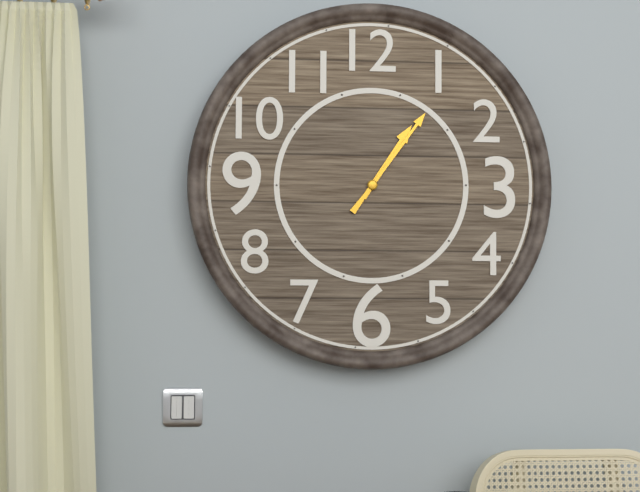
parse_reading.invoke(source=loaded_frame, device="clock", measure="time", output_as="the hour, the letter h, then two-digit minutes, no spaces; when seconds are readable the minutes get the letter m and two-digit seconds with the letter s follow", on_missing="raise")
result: 1h06
